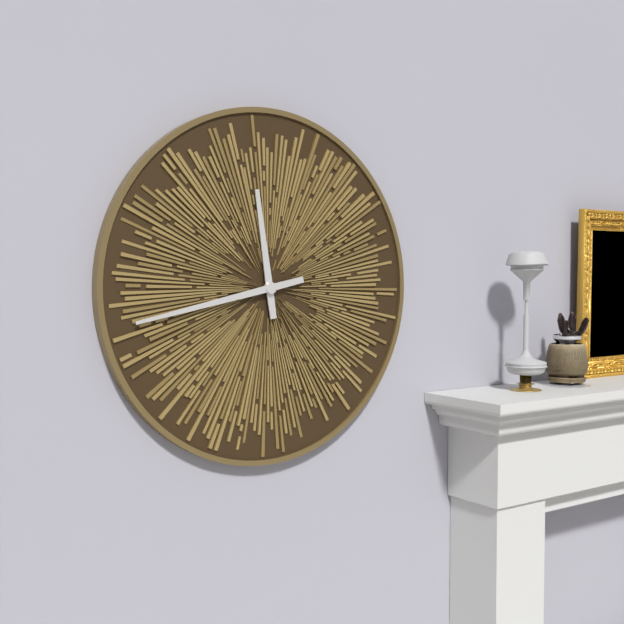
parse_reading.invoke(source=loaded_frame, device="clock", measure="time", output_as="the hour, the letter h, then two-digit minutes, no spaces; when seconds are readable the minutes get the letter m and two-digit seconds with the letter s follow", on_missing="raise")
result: 11h43
